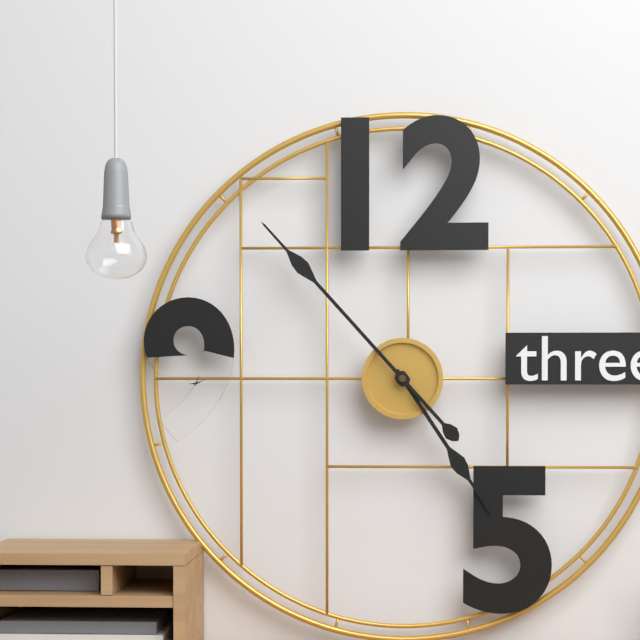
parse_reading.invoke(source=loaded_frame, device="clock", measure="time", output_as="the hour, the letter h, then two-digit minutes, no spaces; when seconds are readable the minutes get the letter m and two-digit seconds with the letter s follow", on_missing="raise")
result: 4h53
